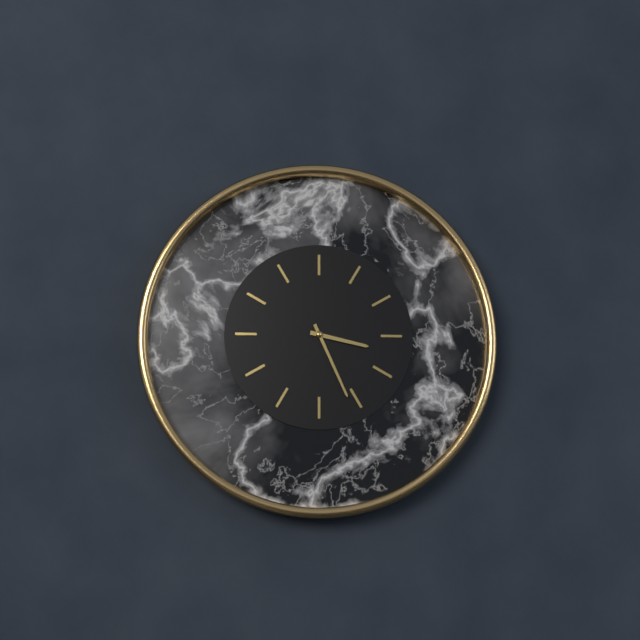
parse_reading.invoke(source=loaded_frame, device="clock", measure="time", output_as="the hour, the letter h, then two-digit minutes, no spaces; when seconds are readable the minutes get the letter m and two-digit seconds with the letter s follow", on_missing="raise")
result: 3h26
